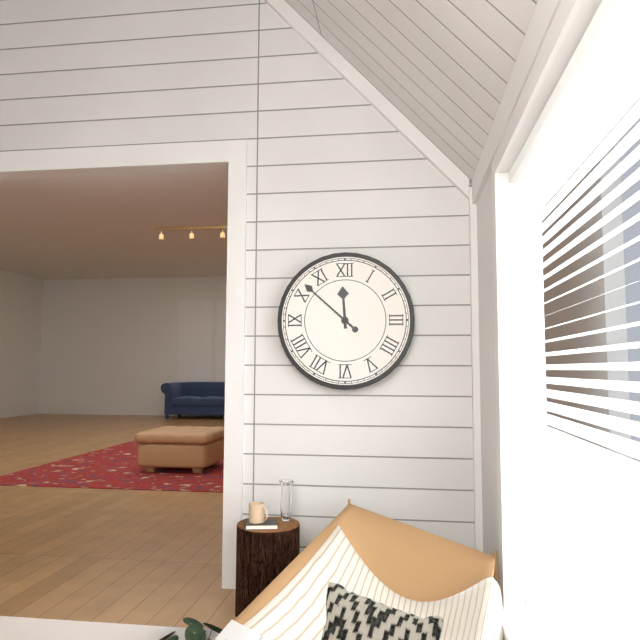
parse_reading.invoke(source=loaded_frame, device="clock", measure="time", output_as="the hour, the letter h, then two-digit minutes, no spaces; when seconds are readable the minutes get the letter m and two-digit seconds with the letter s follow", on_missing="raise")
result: 11h52
